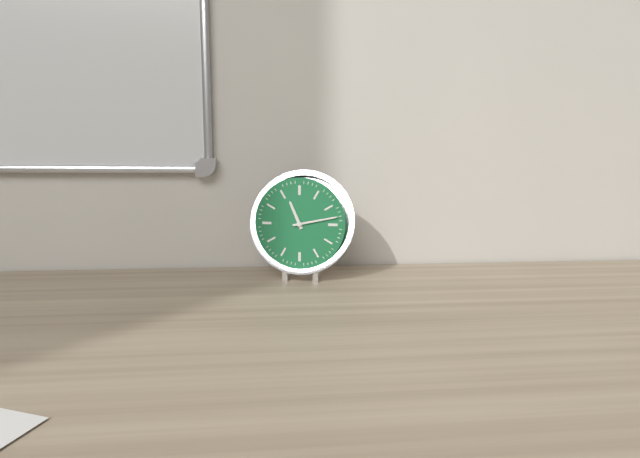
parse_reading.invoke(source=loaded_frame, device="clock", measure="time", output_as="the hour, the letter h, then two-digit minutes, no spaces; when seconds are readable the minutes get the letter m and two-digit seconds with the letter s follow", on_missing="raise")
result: 11h13
